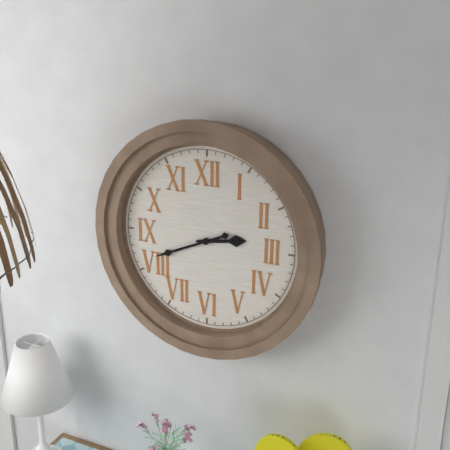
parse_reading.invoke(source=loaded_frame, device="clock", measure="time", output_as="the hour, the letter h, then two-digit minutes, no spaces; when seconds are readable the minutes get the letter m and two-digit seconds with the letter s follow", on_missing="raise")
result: 2h41
